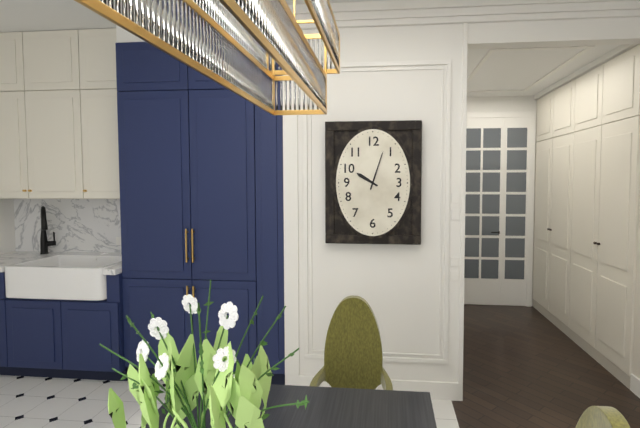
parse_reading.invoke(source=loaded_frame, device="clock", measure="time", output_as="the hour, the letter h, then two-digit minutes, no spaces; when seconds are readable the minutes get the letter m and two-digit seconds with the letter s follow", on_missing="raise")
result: 10h03
